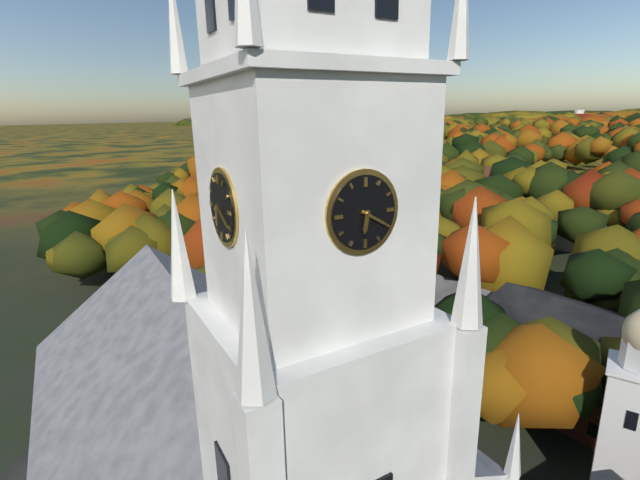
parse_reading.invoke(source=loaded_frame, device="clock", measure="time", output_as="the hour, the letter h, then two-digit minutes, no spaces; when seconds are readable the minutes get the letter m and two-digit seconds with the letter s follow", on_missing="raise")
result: 6h20
